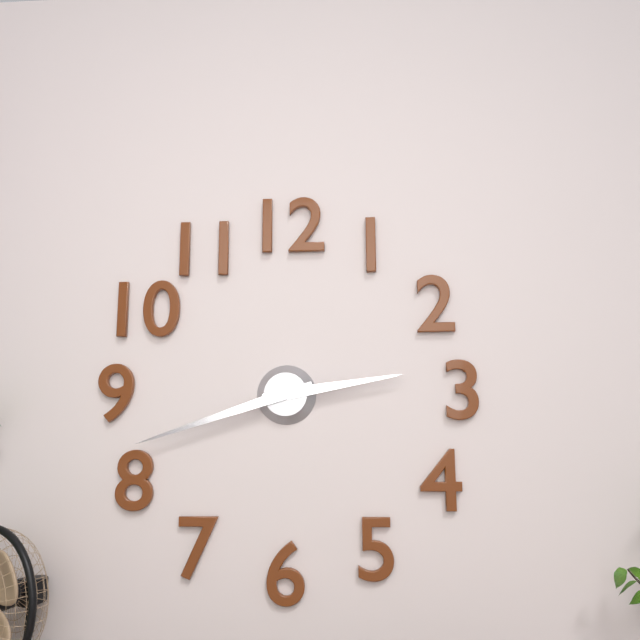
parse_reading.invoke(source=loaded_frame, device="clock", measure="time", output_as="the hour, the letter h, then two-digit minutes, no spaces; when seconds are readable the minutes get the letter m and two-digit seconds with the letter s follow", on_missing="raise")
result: 2h42
